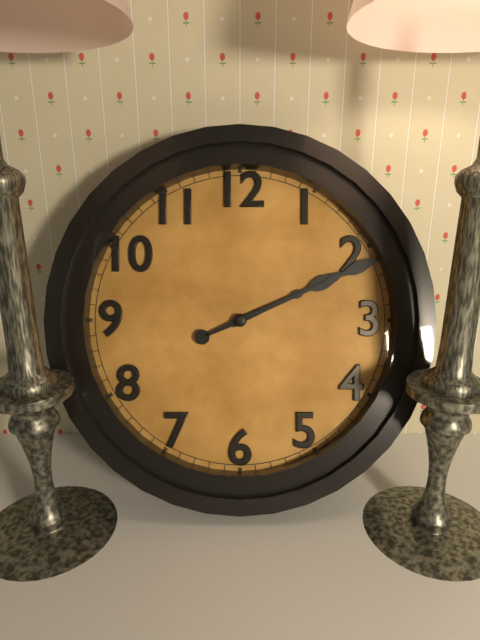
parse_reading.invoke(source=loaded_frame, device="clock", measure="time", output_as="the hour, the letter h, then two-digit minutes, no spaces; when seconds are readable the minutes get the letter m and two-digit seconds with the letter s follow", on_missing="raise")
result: 2h11
